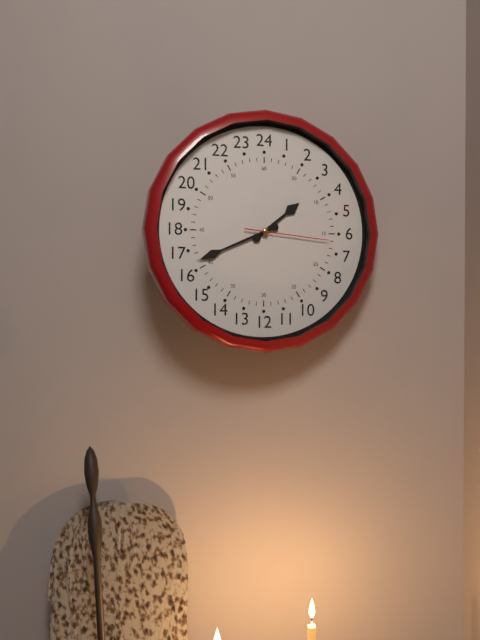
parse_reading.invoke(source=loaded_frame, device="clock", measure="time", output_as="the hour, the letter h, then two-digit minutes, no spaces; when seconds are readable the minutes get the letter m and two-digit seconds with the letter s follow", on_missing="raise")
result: 1h41m16s
